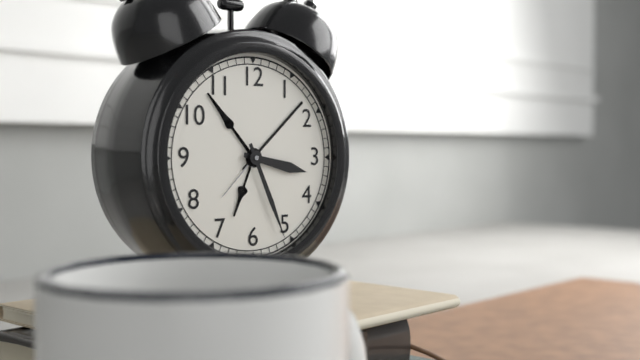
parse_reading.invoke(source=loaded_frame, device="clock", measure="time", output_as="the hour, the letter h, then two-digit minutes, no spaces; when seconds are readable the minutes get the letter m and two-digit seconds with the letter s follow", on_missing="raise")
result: 3h26
